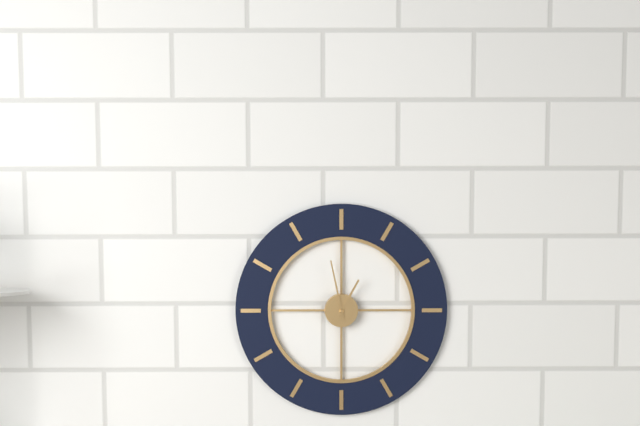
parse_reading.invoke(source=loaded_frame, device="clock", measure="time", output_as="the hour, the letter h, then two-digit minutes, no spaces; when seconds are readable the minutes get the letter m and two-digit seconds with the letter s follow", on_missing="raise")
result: 12h58
